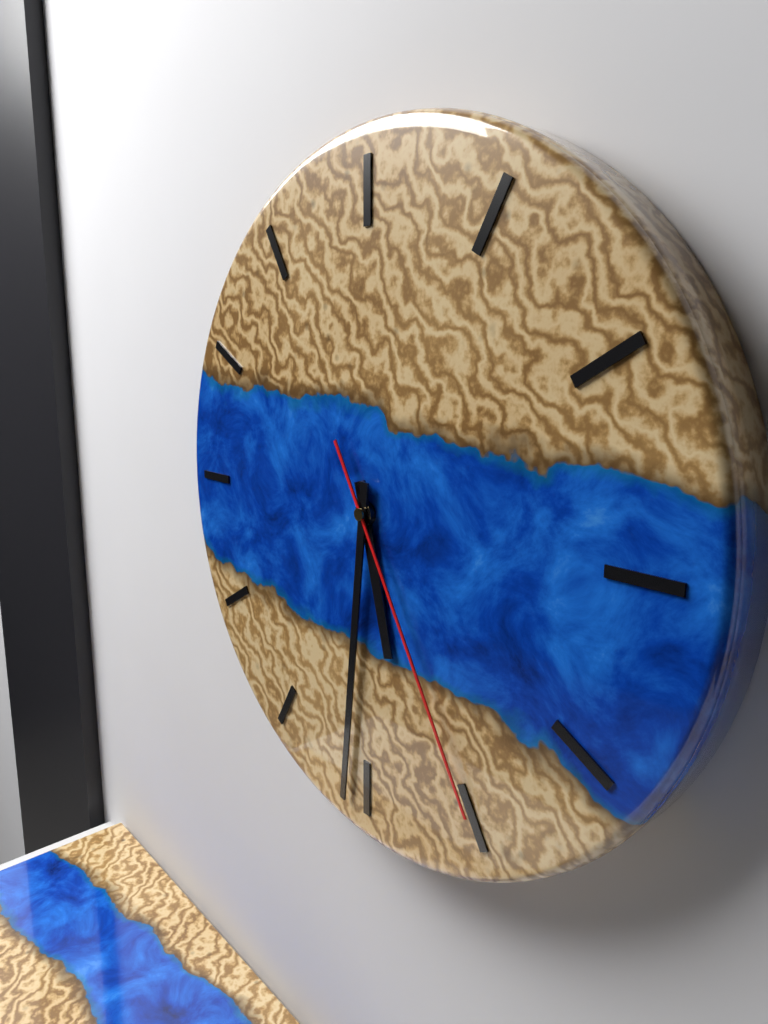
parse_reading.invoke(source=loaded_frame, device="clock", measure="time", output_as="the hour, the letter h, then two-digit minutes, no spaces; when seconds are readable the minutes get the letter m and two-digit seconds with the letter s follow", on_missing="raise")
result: 5h31m25s
